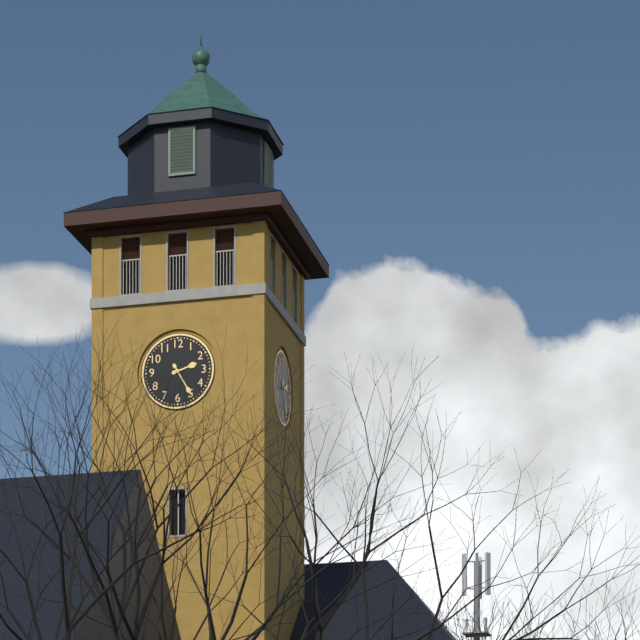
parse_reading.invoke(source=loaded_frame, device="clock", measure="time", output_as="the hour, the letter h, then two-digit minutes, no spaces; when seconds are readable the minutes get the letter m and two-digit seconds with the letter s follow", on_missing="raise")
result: 2h25
